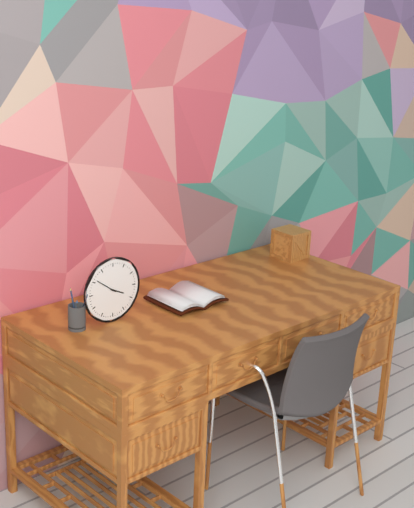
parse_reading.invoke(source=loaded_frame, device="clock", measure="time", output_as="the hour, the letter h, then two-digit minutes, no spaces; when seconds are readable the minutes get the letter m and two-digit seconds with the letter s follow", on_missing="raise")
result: 3h51
